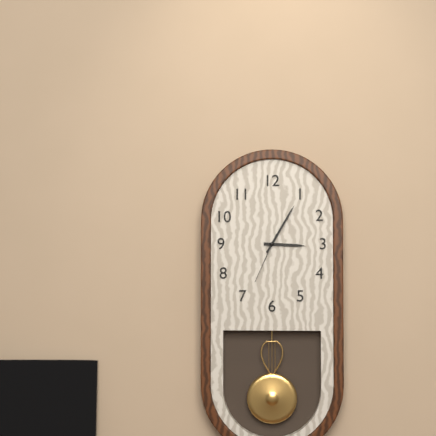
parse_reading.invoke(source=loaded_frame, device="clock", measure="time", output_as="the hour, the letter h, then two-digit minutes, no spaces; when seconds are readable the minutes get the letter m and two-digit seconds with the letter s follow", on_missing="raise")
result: 3h05m34s
